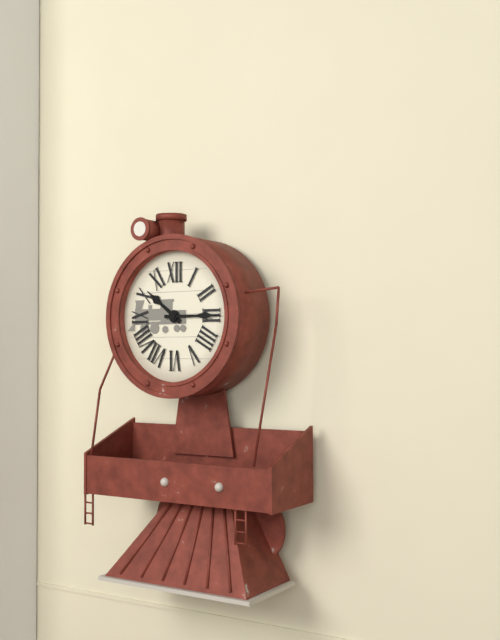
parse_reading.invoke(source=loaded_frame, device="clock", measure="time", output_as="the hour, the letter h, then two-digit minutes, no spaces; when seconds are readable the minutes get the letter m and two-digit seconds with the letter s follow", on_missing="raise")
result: 10h15
